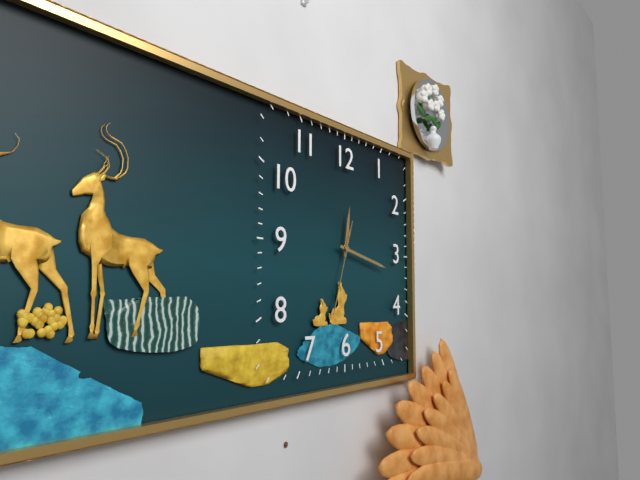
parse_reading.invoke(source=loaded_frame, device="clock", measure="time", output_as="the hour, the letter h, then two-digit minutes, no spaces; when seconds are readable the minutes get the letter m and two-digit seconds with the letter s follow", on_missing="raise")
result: 12h17m33s
